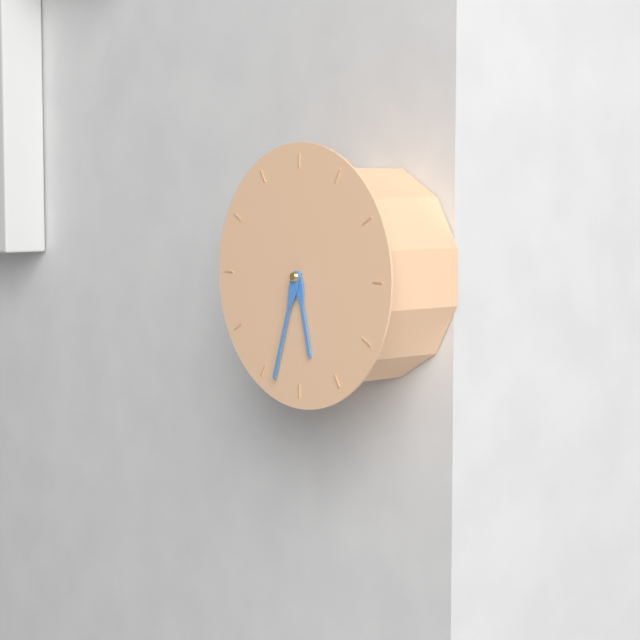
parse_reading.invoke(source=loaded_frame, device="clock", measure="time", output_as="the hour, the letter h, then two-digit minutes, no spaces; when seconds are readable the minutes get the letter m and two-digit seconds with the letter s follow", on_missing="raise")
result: 5h33
